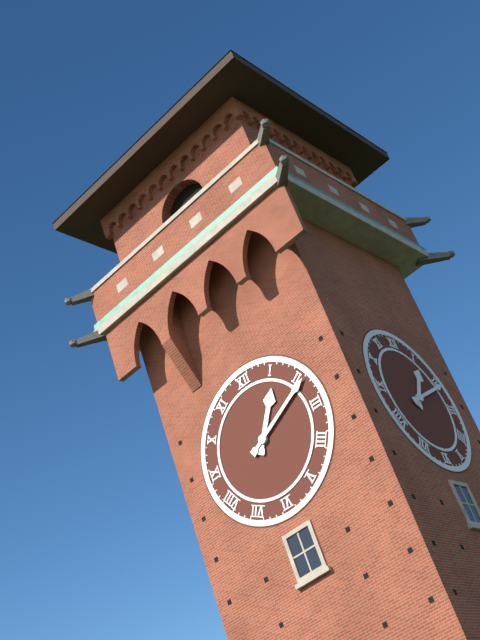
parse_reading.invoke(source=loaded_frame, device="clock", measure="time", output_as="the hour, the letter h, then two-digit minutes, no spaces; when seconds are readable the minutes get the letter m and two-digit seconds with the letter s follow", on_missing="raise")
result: 1h11
